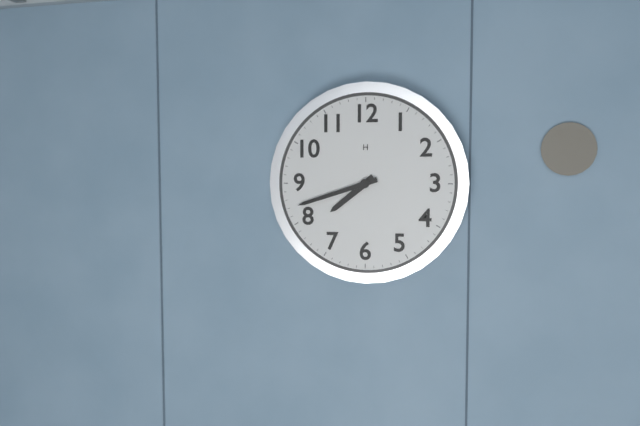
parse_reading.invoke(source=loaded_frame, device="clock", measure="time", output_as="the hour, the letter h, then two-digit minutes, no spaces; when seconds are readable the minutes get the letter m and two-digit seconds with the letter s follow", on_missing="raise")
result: 7h42
